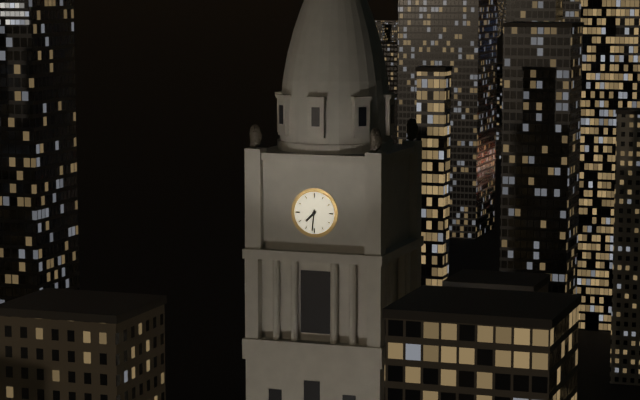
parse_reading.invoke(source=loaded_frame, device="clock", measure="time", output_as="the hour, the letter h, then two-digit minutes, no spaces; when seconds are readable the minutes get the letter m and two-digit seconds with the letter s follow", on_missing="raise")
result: 7h31
